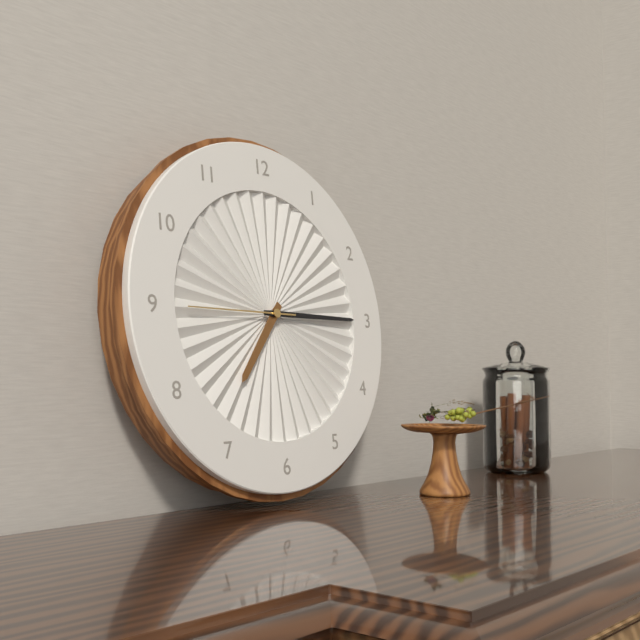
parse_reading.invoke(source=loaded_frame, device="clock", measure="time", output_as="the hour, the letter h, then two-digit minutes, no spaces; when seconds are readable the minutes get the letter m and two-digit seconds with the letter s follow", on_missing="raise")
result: 7h15m45s
